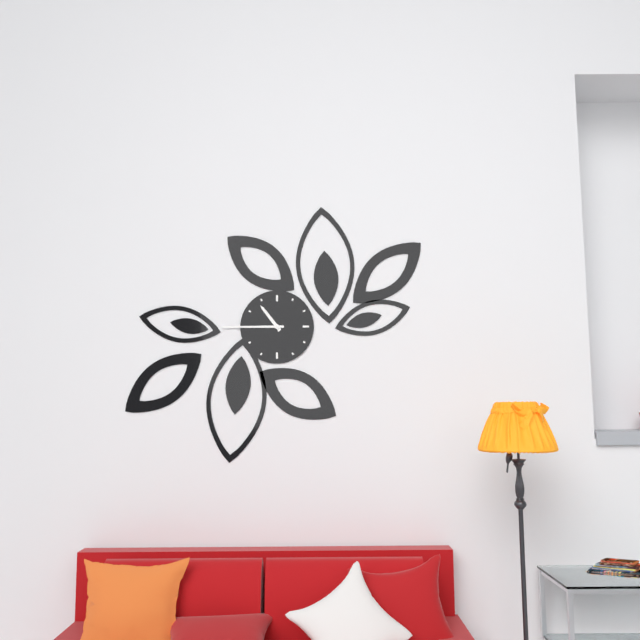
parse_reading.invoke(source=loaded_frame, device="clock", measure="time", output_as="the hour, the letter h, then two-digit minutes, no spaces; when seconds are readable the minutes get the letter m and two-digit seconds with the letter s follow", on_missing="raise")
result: 10h45
